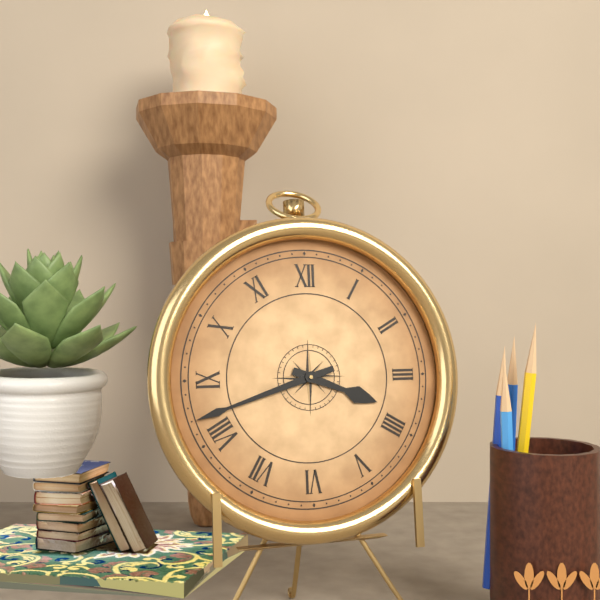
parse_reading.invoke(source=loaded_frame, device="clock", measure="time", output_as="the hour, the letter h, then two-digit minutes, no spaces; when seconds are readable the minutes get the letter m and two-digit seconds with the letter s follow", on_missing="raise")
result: 3h42
